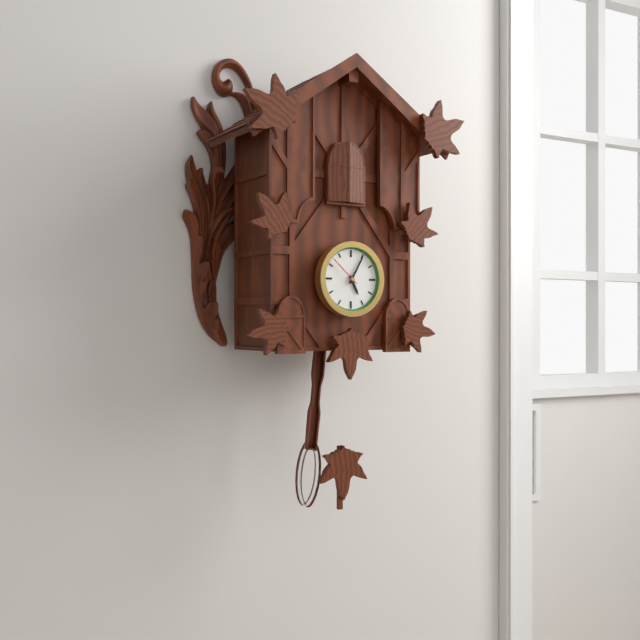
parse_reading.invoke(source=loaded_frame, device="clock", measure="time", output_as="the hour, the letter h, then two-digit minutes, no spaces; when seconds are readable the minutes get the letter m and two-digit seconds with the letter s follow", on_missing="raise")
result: 5h05
